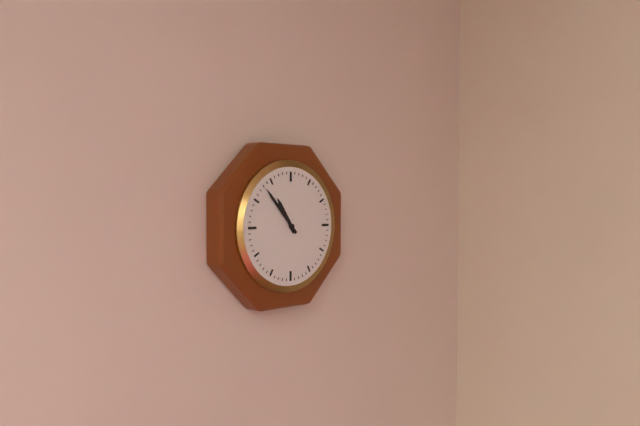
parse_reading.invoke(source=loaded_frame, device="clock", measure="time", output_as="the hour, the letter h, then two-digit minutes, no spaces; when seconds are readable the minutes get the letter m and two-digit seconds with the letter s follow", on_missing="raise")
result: 10h53
